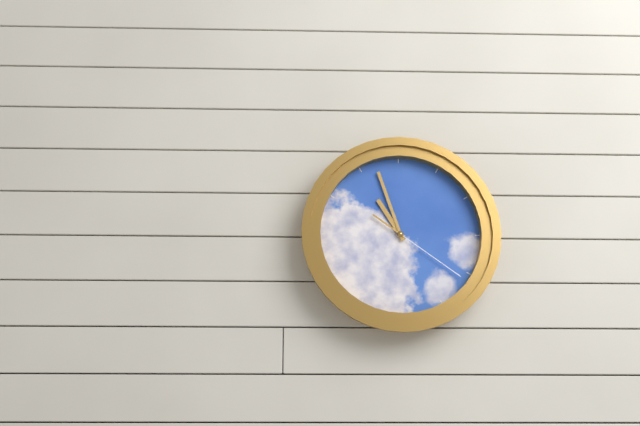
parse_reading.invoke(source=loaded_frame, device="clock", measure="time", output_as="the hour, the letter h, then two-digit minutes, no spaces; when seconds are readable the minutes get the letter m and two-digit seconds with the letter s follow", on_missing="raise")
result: 10h57m21s
